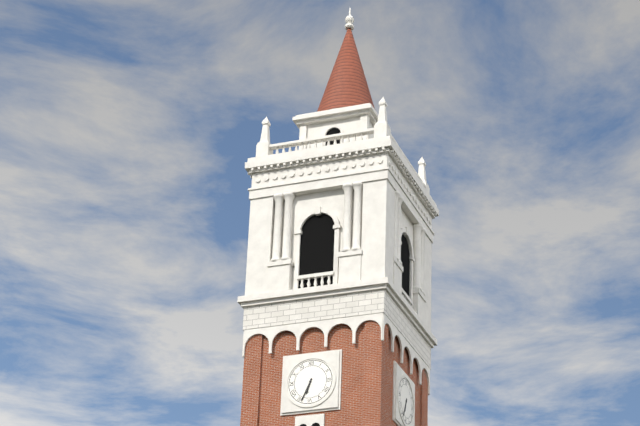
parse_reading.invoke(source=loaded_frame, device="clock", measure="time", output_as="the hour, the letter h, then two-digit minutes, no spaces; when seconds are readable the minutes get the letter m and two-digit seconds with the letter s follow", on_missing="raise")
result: 6h34
